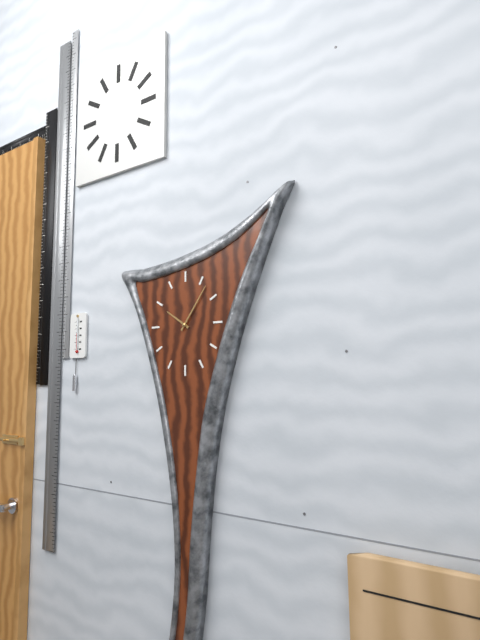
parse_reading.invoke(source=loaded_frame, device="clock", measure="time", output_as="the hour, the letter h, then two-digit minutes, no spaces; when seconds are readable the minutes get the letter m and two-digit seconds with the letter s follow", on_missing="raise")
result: 10h06
